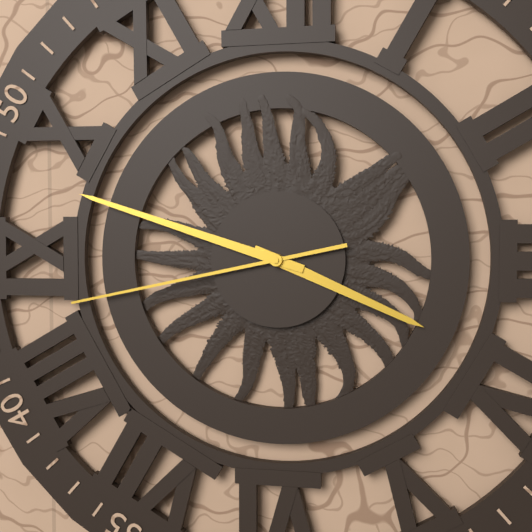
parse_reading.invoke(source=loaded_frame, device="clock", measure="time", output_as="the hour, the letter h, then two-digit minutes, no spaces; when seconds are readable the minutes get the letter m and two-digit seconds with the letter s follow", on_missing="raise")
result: 3h48m43s
